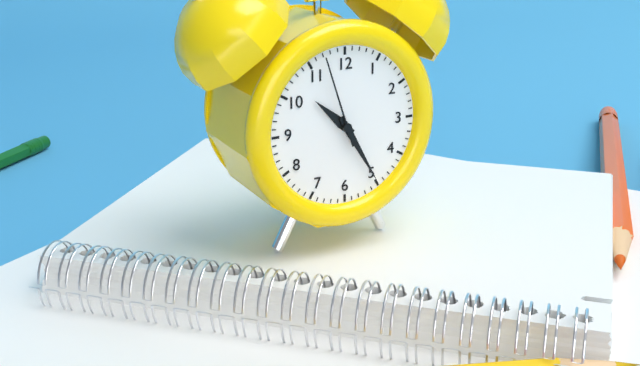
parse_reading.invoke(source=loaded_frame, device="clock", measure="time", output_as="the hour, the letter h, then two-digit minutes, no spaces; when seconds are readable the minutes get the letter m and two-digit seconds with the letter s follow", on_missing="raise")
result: 10h25m57s
